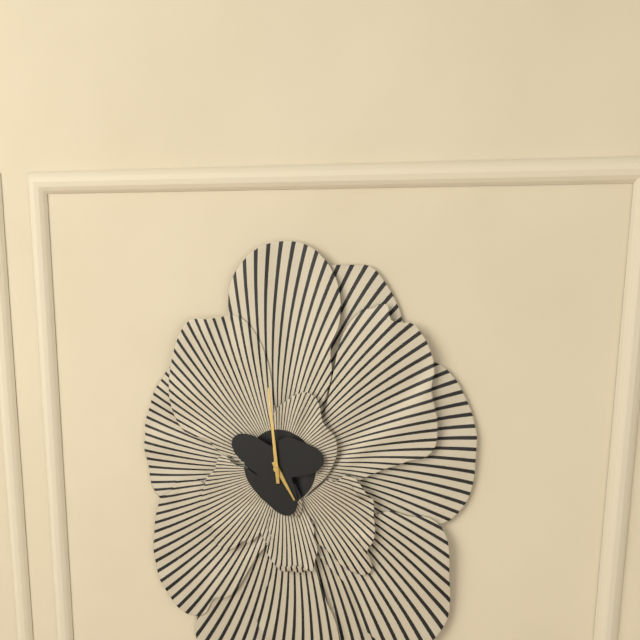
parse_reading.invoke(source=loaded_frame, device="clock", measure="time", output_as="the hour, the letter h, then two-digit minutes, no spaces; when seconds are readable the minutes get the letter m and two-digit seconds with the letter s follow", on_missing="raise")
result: 4h59
